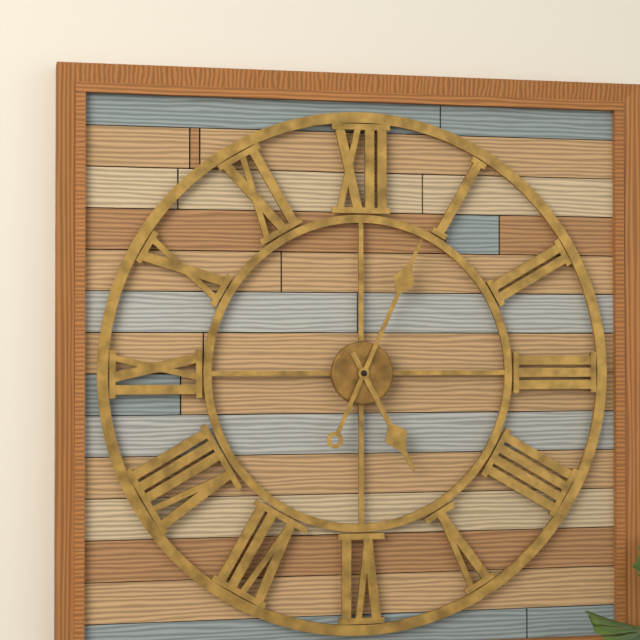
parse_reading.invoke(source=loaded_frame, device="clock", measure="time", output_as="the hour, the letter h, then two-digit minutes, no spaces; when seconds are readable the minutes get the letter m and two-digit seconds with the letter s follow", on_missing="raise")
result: 5h04
